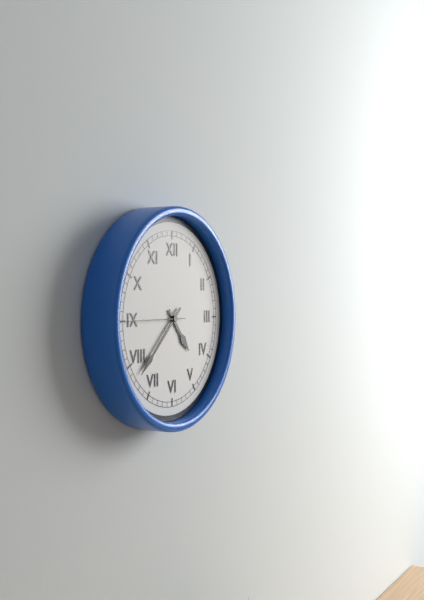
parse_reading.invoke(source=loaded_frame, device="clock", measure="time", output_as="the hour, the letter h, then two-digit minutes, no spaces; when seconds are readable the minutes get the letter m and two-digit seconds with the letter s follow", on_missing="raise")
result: 4h38m45s
